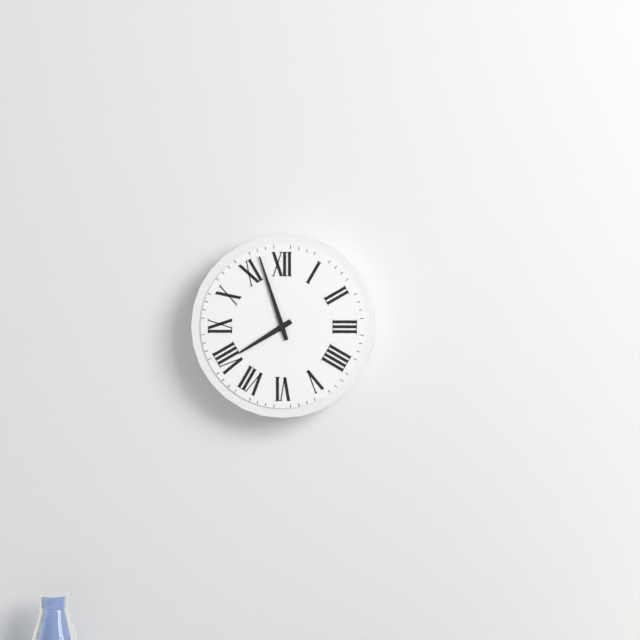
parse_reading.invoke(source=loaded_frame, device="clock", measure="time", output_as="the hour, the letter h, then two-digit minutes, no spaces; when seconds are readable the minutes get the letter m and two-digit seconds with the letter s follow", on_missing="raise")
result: 7h57
